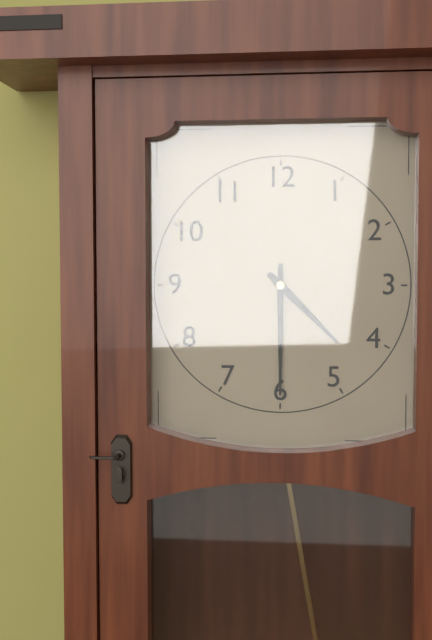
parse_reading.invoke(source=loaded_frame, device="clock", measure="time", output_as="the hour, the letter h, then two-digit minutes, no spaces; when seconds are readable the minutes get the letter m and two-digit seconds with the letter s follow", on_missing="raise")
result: 4h30
